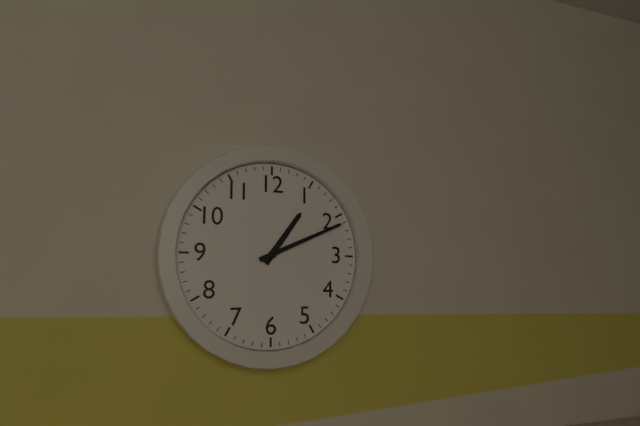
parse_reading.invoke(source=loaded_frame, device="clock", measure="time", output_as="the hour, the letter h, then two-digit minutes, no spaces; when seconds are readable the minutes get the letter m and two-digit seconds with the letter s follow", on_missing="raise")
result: 1h11
